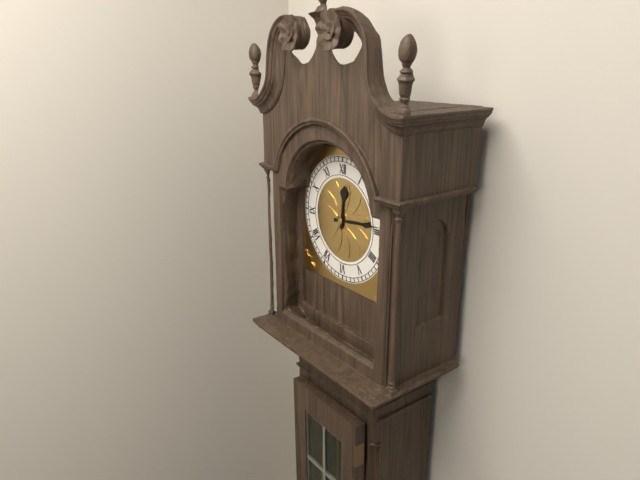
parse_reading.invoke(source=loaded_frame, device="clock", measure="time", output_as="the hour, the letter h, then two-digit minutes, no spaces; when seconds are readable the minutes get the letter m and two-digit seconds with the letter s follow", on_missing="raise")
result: 12h14
